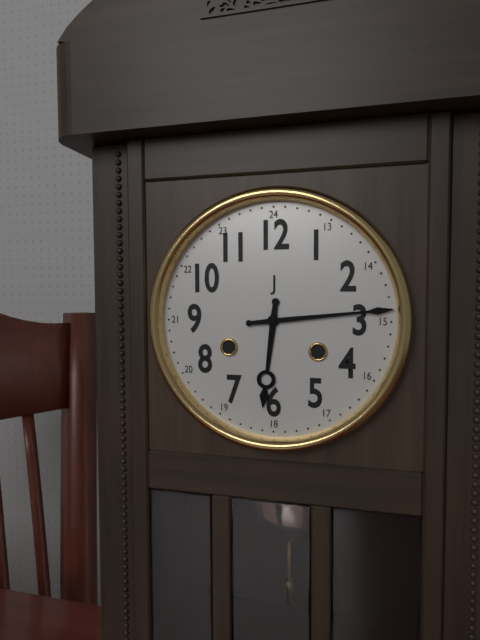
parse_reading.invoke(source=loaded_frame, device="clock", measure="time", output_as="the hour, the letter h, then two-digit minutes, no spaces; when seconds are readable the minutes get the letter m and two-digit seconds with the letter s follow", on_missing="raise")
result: 6h14
